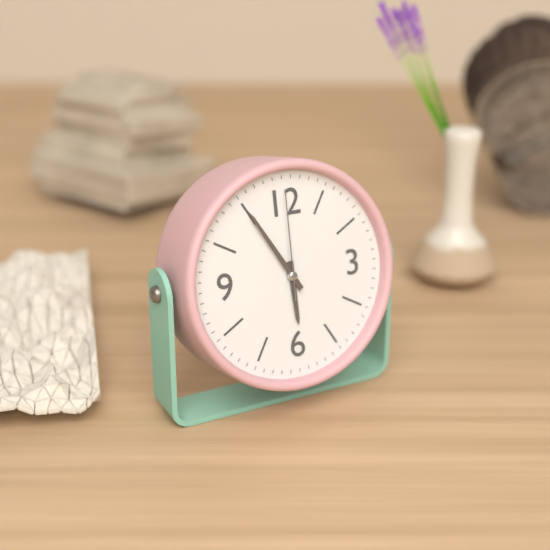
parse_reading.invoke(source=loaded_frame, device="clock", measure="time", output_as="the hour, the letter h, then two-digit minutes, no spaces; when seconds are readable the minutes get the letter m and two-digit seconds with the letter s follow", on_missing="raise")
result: 5h55m00s
